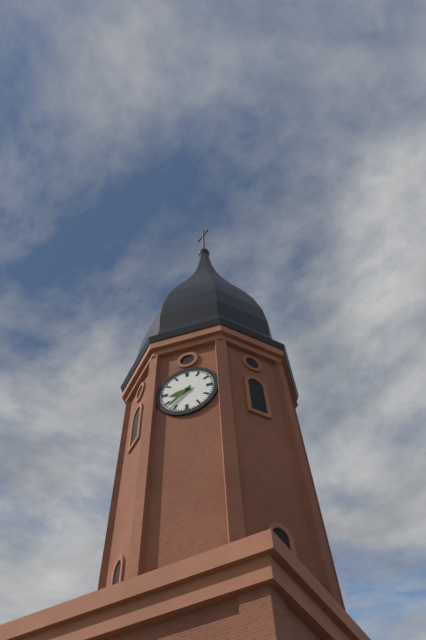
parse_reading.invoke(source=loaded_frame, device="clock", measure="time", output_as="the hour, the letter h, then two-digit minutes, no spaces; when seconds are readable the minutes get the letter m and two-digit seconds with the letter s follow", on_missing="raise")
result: 8h38
